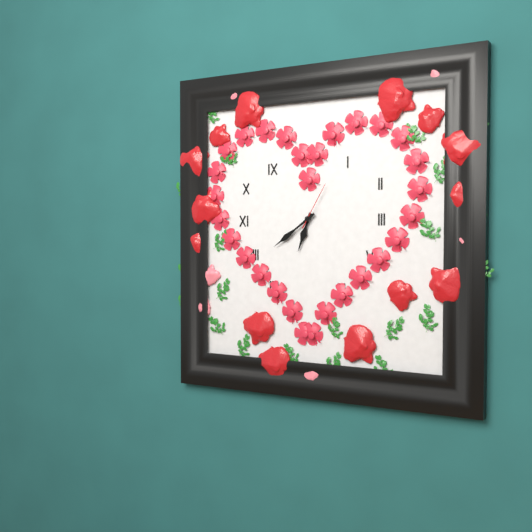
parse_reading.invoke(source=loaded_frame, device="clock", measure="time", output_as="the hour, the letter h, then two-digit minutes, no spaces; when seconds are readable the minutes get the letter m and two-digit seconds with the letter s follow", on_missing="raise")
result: 6h39m05s
